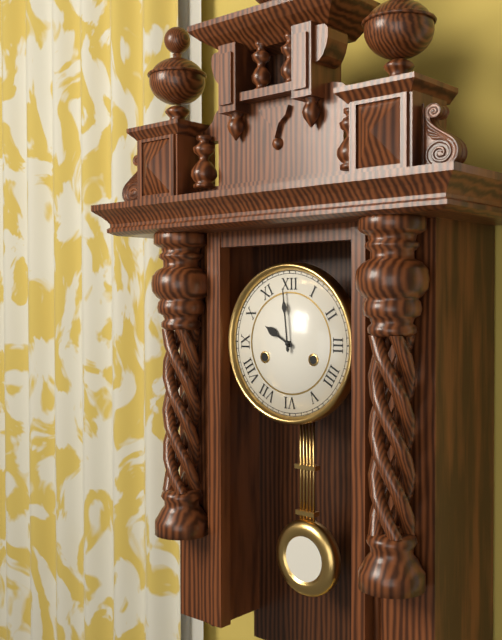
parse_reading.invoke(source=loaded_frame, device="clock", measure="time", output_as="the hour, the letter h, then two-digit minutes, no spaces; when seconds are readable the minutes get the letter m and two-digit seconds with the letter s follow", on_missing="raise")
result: 9h59
